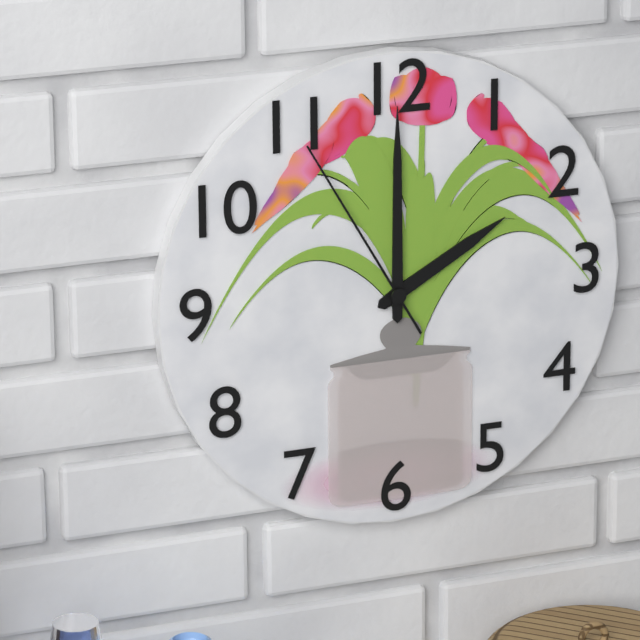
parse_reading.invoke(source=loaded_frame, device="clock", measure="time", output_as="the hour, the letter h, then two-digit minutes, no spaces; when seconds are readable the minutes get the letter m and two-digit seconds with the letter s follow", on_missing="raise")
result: 2h00m55s
